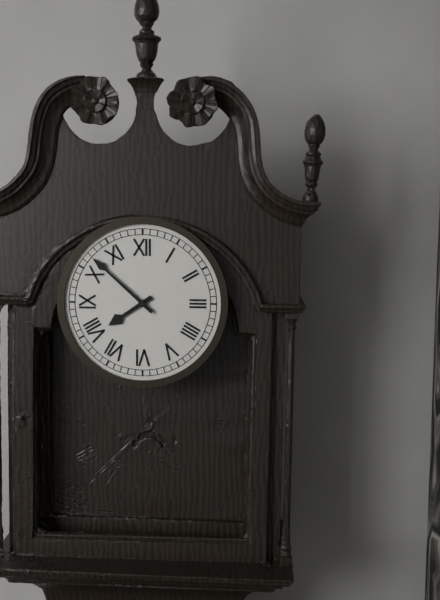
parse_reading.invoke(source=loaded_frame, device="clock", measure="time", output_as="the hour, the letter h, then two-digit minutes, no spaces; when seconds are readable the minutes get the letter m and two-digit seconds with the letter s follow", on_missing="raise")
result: 7h52
